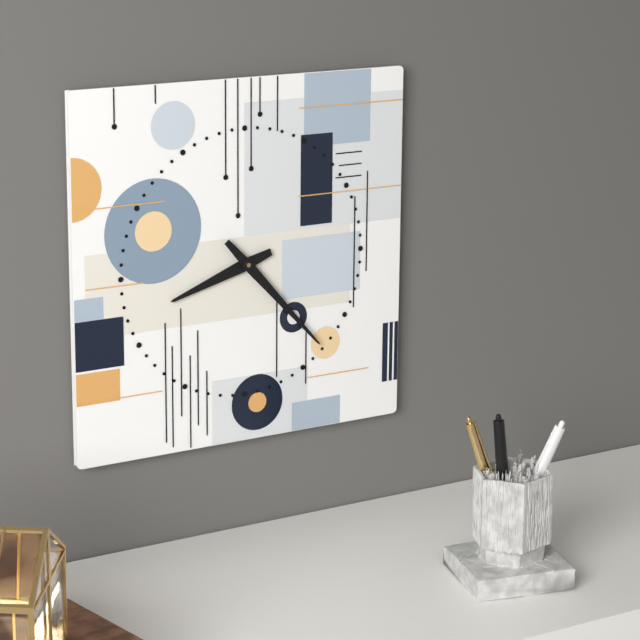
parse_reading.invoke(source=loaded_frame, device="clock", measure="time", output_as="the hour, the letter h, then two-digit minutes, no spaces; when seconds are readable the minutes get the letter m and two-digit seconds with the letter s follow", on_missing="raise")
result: 8h23
